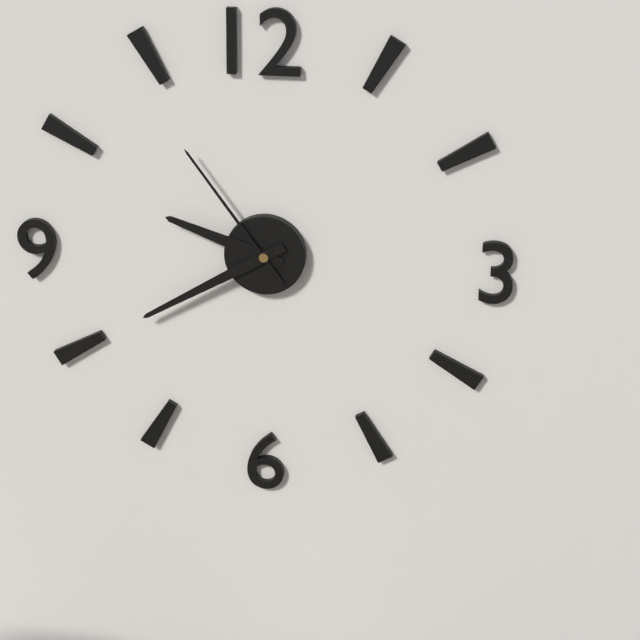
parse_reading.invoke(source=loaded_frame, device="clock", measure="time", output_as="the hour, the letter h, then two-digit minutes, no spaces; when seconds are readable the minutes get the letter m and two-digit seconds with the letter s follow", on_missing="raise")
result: 9h40m54s
